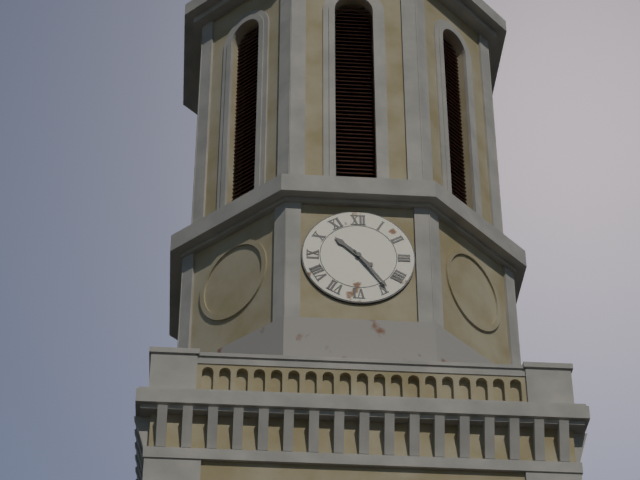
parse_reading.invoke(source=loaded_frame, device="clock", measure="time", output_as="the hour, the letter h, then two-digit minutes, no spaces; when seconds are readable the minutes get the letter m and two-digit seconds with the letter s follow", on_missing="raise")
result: 10h24
